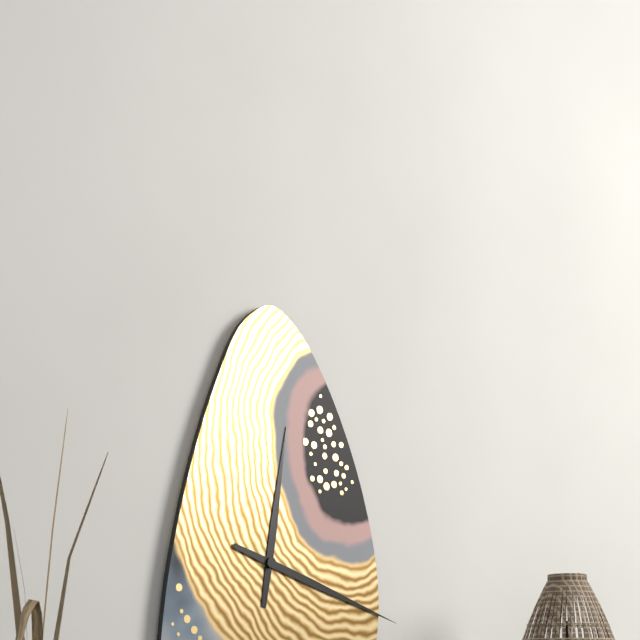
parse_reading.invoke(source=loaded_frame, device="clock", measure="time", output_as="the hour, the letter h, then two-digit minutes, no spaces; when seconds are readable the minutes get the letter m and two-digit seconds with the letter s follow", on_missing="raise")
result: 12h18
